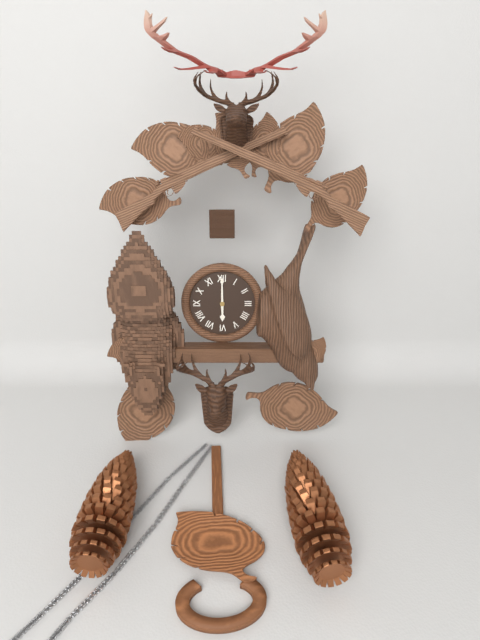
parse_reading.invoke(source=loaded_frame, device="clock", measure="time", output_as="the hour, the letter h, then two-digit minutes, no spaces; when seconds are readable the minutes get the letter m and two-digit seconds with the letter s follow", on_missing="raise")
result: 6h00
